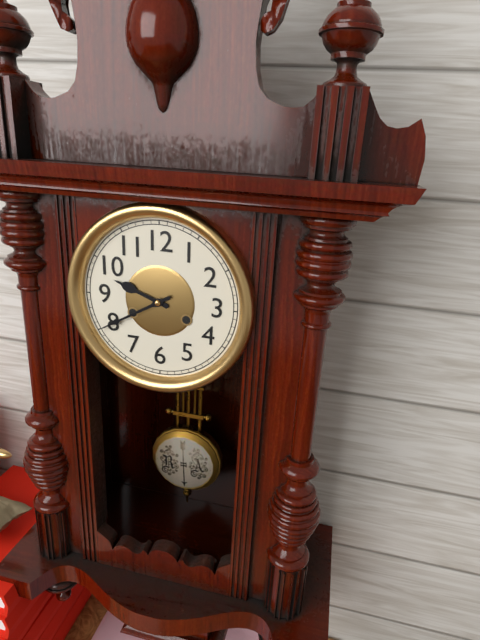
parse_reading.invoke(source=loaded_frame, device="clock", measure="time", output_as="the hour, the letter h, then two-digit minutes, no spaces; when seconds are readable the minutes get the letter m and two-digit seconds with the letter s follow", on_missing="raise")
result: 9h40
